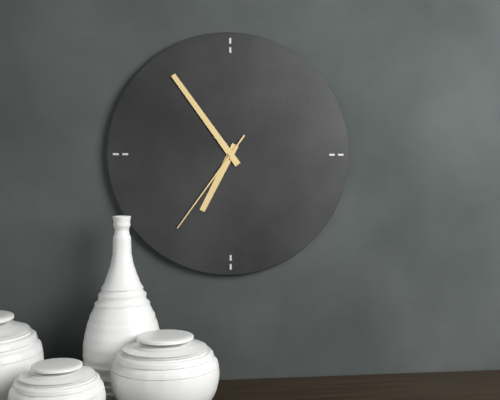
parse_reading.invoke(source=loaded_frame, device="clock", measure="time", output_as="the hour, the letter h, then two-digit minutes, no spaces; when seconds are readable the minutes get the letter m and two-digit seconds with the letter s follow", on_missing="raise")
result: 6h54m36s
